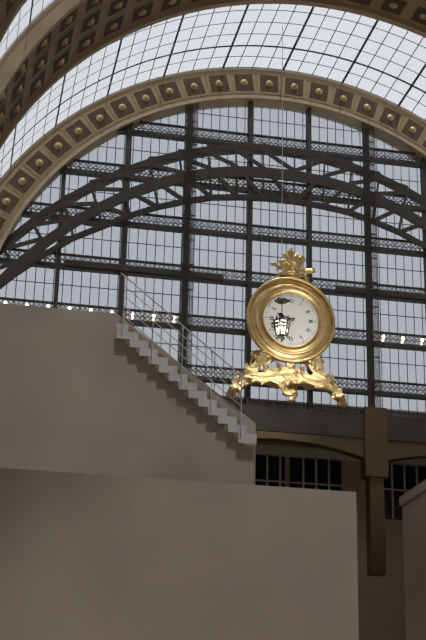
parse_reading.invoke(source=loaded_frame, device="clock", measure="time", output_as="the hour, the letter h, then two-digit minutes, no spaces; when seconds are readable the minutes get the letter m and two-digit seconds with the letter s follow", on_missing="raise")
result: 9h42
